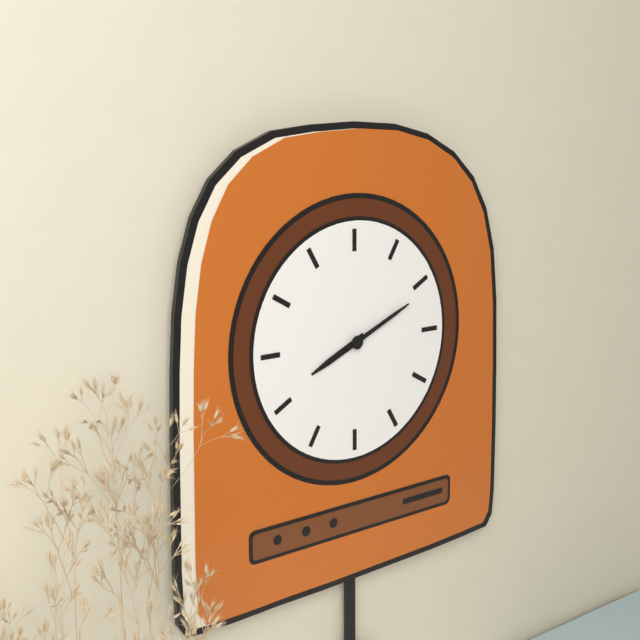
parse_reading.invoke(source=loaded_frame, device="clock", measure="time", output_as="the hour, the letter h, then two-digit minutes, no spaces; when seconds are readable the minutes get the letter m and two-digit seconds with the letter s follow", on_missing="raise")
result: 8h11
